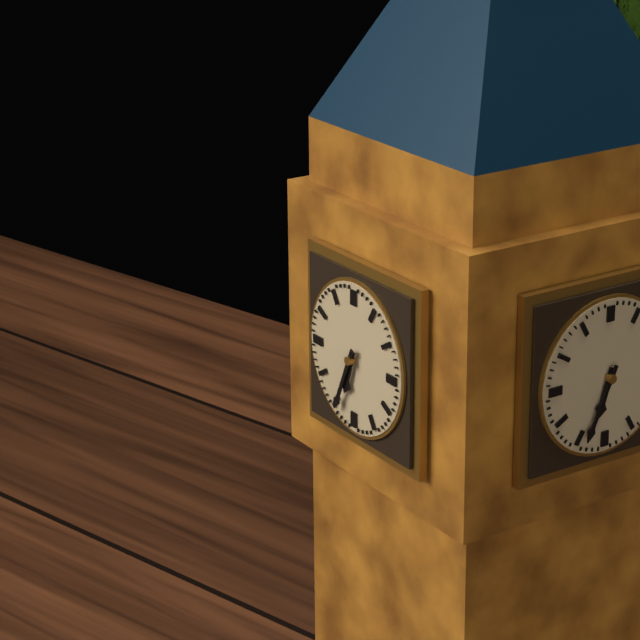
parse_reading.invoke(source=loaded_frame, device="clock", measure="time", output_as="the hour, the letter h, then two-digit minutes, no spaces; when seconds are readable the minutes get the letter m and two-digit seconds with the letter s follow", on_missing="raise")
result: 6h34
